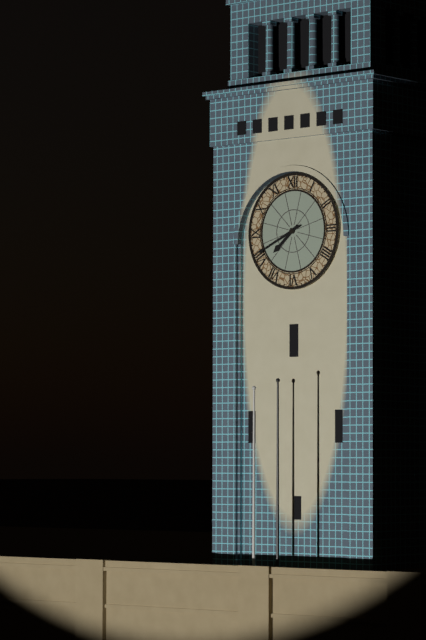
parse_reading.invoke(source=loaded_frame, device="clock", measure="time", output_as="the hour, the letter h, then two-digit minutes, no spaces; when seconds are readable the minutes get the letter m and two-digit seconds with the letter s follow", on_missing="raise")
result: 7h41
